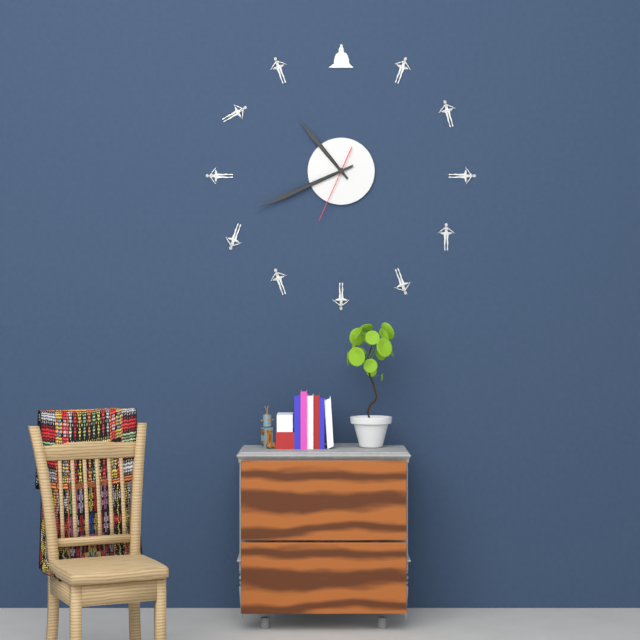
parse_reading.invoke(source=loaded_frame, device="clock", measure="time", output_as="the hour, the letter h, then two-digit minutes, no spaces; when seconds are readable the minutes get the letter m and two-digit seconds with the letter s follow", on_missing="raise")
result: 10h41m34s
